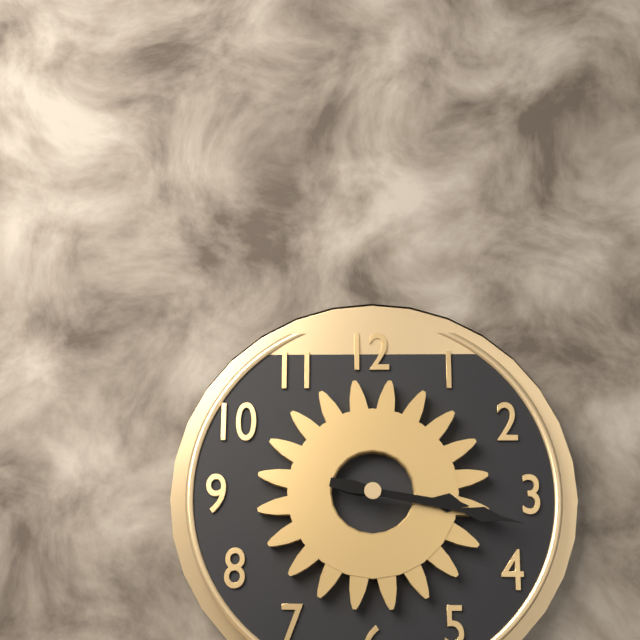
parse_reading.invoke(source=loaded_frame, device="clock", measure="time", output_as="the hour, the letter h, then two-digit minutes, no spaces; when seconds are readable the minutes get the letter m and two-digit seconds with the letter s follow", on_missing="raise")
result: 3h17
